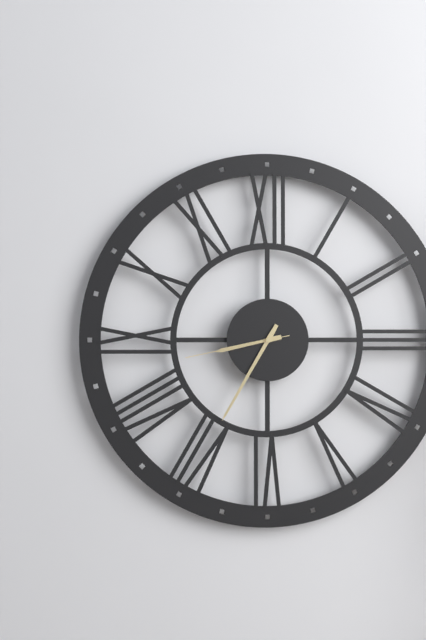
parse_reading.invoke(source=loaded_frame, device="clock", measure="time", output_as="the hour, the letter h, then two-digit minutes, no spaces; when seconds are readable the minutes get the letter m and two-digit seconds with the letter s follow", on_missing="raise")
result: 8h35m43s
